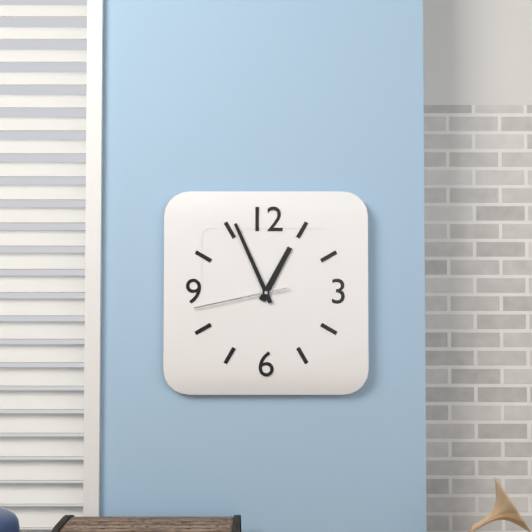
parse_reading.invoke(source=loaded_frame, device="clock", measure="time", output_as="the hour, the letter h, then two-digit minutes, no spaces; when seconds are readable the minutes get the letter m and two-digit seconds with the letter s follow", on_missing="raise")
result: 12h56m43s
